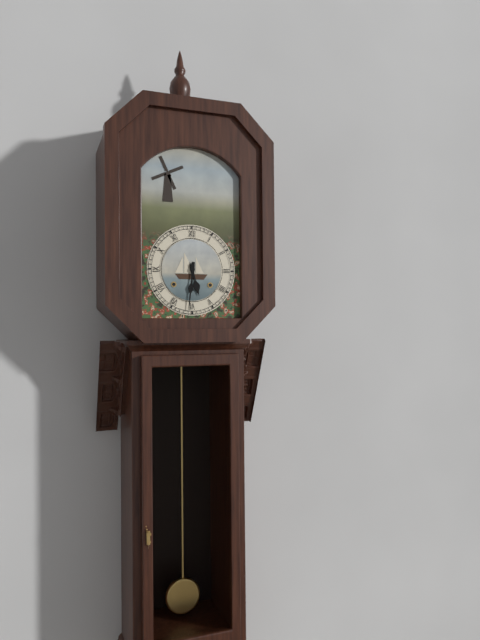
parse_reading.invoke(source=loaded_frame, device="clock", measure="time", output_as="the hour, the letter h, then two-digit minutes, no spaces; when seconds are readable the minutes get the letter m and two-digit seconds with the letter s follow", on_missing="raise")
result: 5h31
